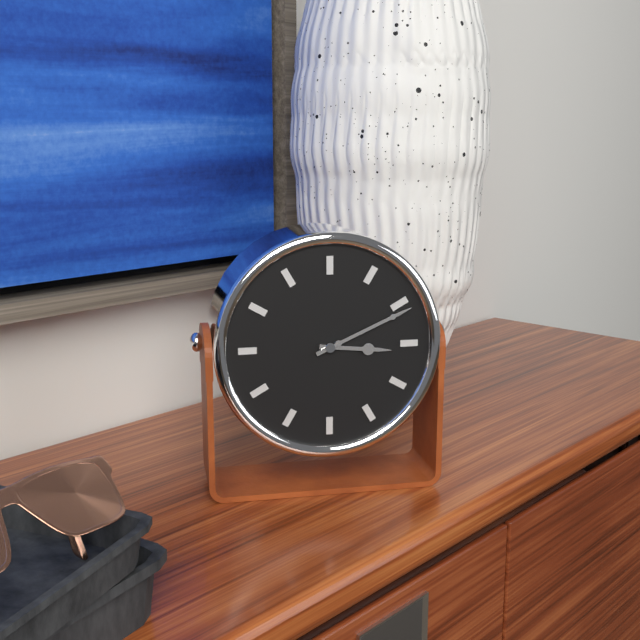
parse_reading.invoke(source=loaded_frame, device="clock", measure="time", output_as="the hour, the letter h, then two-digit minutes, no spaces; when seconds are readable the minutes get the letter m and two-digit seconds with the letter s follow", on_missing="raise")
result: 3h11
